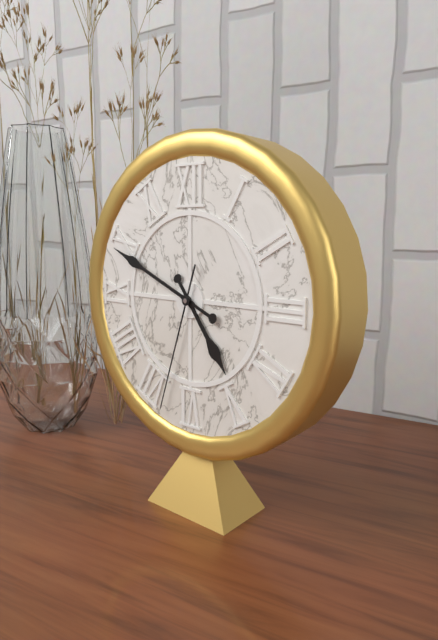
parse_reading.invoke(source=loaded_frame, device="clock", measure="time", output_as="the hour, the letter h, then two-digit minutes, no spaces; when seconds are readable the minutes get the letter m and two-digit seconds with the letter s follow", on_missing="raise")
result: 4h49m33s
